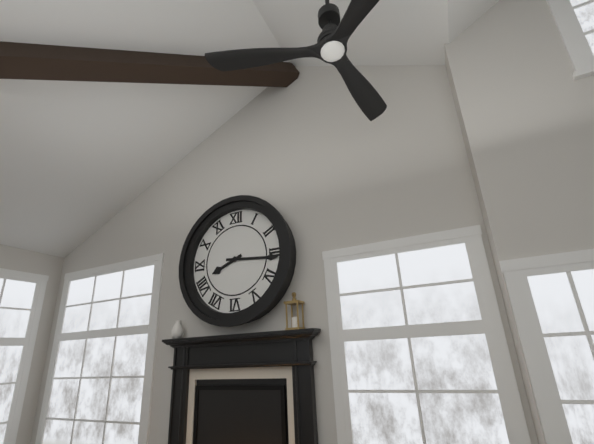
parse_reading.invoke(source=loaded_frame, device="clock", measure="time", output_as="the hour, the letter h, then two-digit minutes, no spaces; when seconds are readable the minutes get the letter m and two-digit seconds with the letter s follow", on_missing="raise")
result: 8h16
